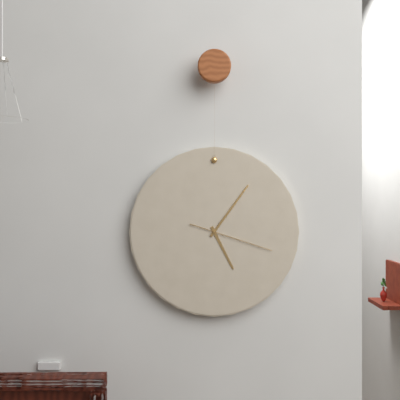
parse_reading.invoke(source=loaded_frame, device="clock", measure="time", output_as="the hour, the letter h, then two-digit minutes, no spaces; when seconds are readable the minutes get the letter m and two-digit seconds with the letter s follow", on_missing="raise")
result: 5h06m18s
